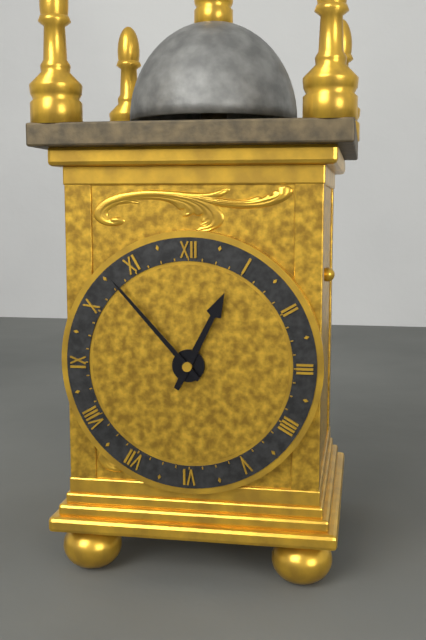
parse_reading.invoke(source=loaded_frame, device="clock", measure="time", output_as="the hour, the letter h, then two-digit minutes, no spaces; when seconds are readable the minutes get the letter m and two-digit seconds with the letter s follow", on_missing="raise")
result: 12h53
